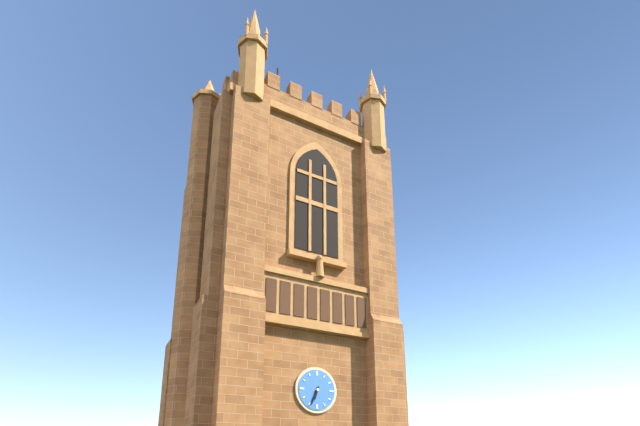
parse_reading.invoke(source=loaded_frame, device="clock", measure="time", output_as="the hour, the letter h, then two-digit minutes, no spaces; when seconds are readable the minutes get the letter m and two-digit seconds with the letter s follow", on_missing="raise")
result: 6h34
